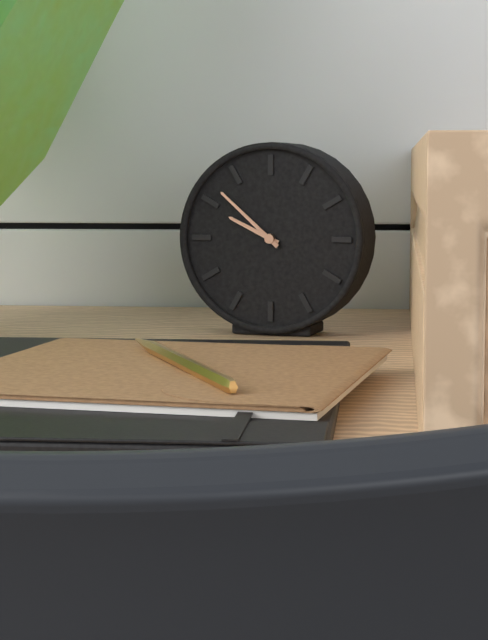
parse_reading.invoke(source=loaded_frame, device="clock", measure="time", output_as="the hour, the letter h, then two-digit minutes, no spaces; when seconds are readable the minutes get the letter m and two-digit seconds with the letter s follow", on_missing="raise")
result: 9h52
